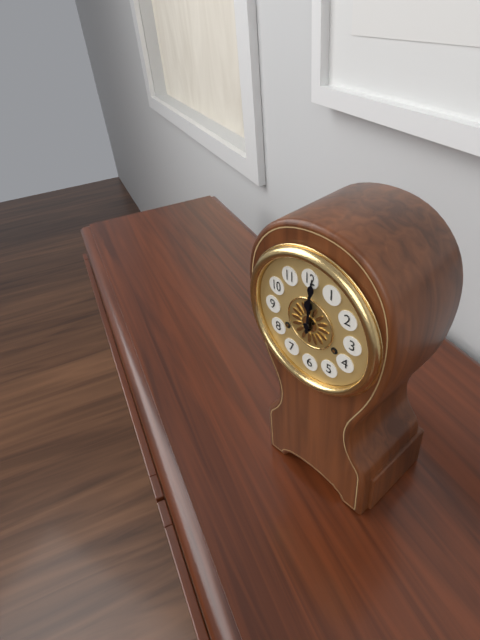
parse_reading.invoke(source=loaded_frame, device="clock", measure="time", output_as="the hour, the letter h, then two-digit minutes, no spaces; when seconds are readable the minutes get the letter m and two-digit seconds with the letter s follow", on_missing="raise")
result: 12h01
